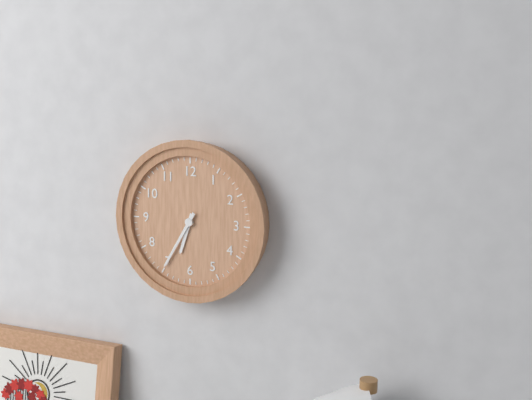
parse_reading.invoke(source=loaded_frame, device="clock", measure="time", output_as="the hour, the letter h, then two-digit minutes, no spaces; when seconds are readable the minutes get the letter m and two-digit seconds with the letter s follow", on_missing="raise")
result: 6h35
